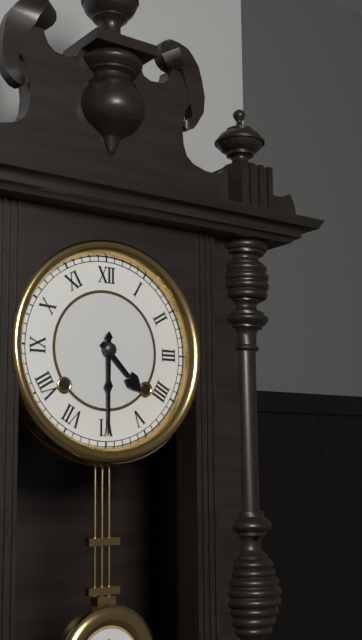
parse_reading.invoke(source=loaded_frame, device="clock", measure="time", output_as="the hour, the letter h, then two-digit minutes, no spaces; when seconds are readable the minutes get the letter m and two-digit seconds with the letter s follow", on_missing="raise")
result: 4h30
